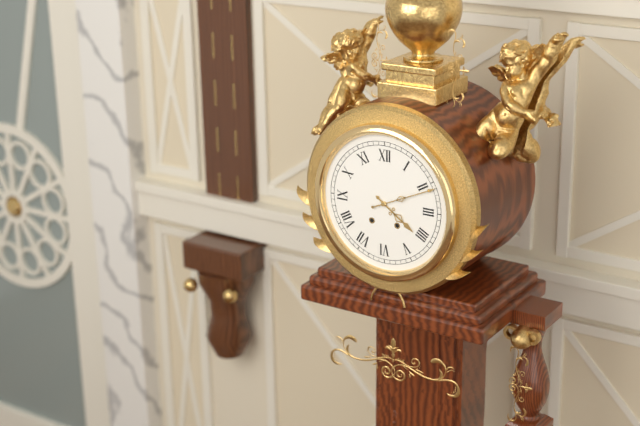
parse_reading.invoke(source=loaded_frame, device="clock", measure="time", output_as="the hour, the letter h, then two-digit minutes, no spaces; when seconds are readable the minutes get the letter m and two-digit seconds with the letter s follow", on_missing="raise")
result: 4h11
